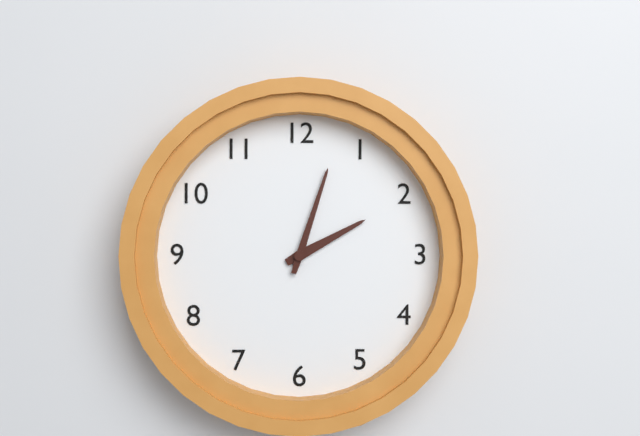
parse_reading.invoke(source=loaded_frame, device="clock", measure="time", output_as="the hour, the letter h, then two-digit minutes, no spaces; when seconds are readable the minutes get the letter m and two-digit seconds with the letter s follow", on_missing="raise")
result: 2h03
